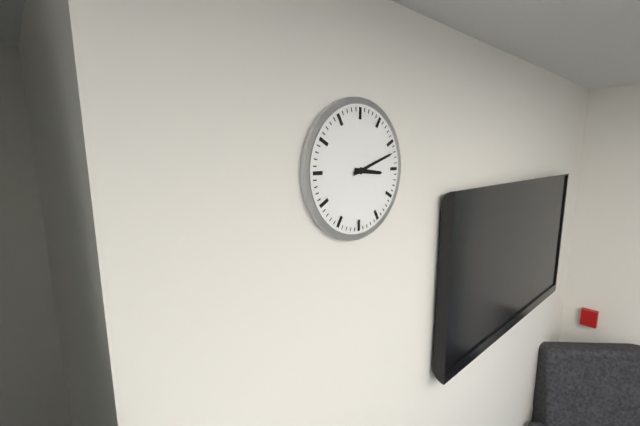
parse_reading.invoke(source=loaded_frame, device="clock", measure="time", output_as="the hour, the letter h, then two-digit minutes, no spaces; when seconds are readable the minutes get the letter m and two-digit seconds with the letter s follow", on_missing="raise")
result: 3h12
